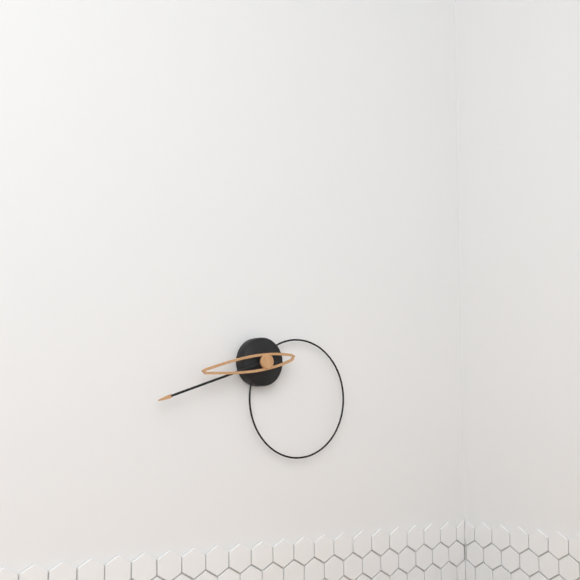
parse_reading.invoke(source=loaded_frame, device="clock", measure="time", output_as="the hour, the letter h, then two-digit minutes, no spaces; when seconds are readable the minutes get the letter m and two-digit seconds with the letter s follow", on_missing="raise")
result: 8h42
